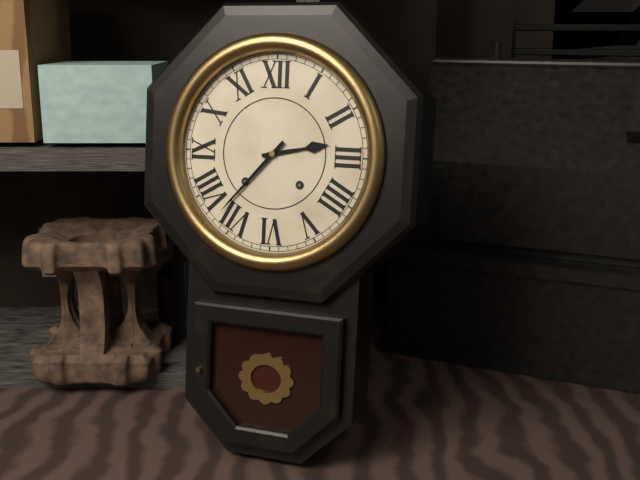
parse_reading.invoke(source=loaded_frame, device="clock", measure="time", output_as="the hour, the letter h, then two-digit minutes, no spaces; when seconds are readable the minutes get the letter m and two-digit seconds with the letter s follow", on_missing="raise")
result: 2h37
